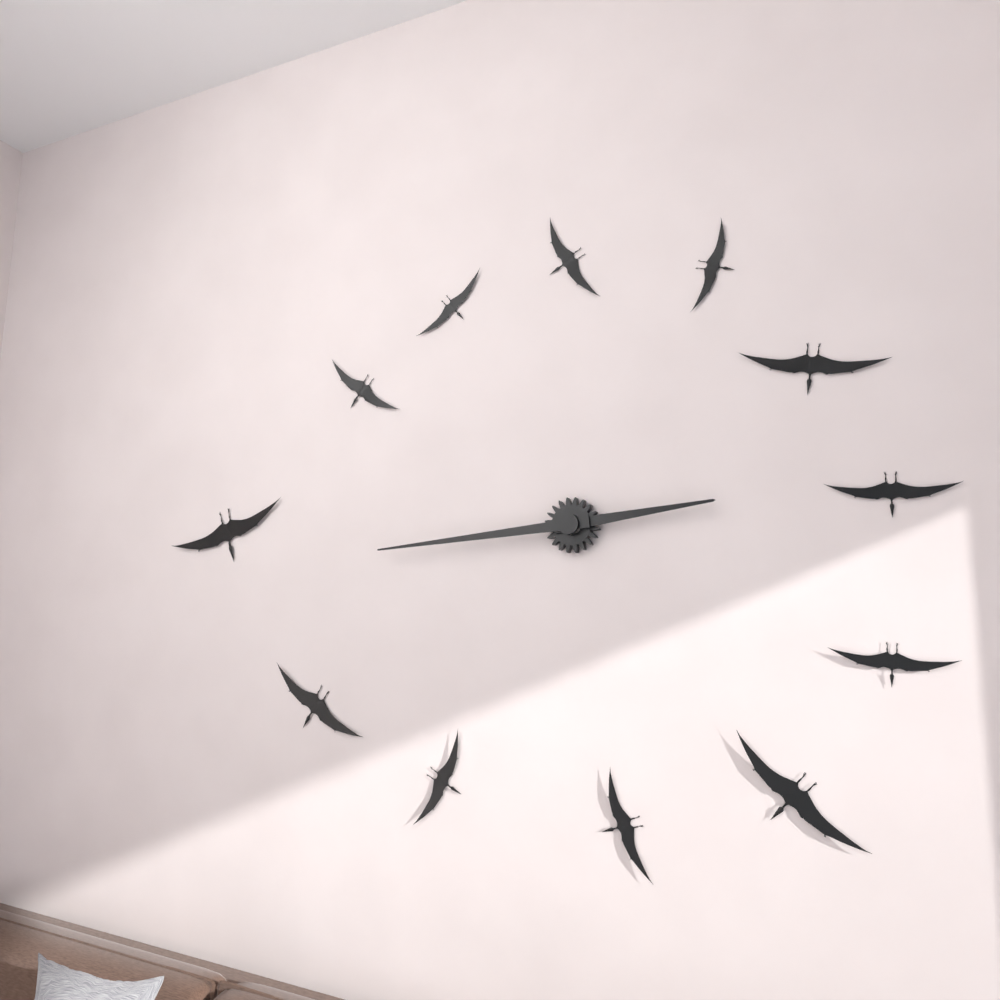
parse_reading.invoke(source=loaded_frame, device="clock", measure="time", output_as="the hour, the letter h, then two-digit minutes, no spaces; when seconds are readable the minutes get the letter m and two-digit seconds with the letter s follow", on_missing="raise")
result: 2h44
